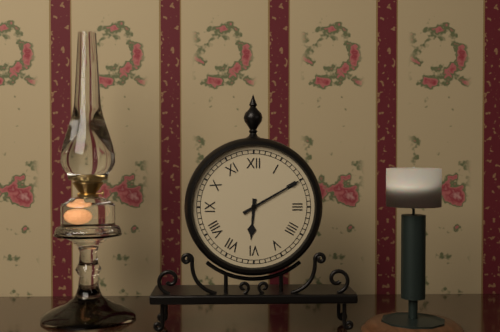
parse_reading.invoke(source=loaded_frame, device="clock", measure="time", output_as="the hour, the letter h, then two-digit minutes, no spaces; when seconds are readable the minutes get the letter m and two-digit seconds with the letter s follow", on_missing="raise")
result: 6h10
